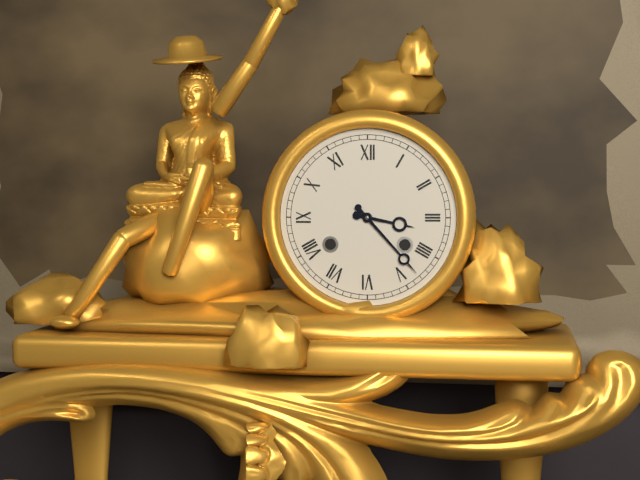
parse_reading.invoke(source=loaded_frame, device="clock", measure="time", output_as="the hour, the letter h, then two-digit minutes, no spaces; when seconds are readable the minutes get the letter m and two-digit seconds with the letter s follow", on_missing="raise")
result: 3h23
